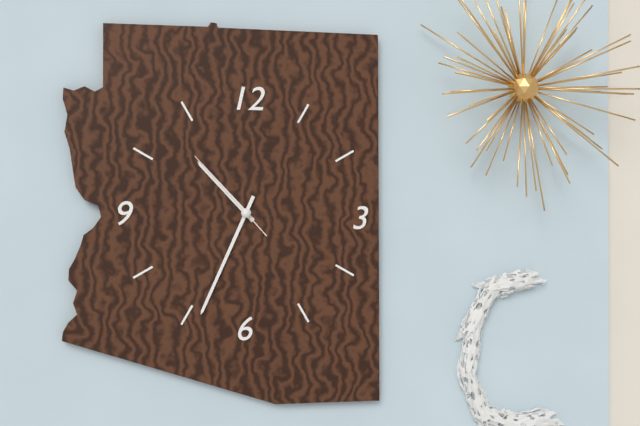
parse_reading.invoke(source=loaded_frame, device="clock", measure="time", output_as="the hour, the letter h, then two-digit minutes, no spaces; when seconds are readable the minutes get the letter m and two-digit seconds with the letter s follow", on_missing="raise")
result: 10h34m53s
